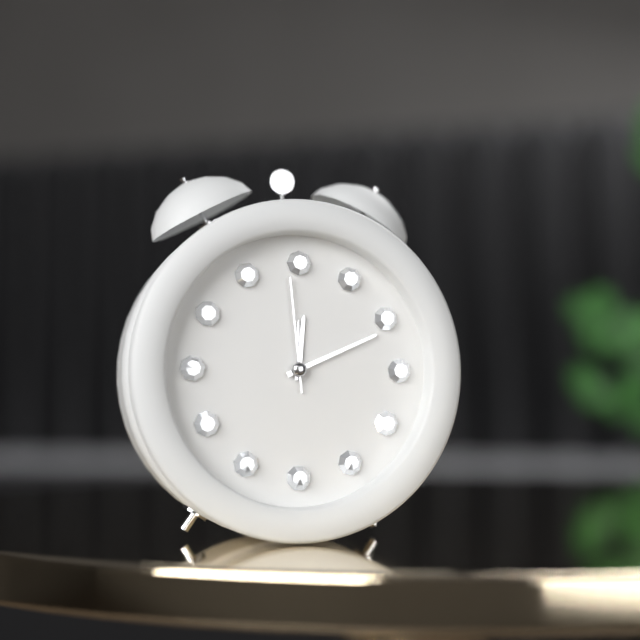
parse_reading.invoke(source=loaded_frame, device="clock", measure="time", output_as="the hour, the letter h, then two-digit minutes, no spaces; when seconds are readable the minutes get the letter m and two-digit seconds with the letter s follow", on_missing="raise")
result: 12h11m59s
